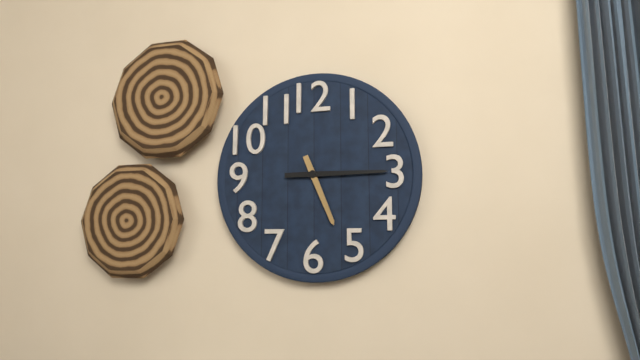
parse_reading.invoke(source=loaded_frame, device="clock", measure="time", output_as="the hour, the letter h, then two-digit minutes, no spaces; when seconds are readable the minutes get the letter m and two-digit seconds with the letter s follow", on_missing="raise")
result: 5h15
